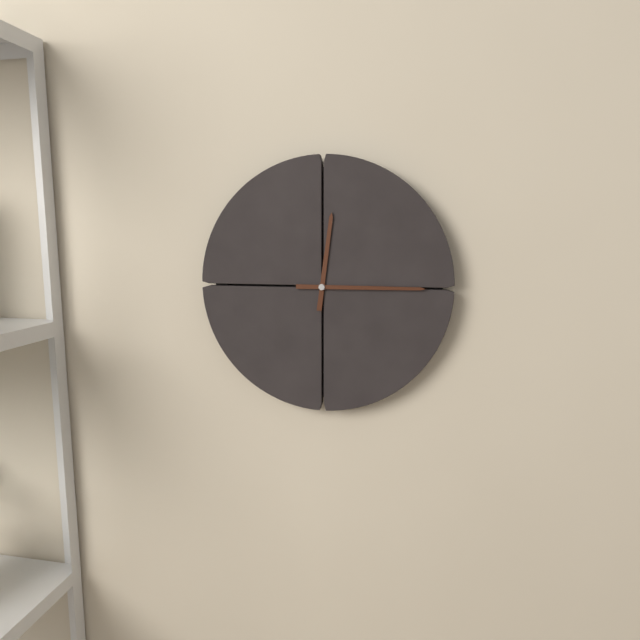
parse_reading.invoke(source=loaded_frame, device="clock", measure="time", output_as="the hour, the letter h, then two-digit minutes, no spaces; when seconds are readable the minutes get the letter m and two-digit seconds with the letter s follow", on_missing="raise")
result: 12h15
